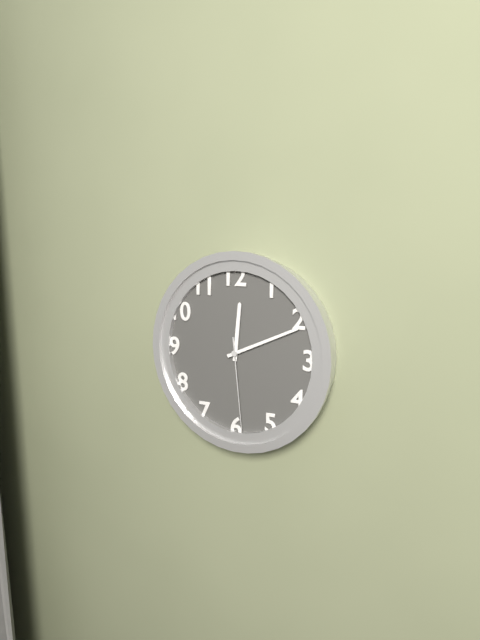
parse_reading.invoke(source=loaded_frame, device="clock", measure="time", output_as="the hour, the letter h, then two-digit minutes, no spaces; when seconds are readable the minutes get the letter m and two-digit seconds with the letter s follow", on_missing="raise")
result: 12h11m29s
